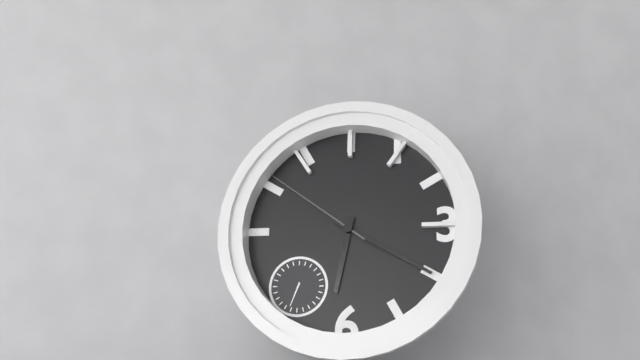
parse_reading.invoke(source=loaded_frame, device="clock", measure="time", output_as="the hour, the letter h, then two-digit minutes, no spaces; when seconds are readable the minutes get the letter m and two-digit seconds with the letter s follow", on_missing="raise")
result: 6h20m51s
